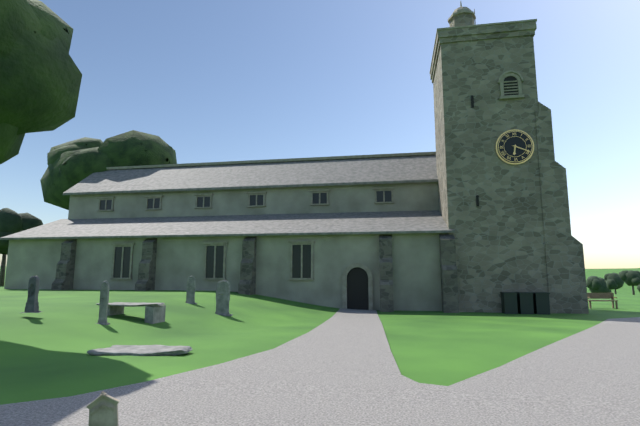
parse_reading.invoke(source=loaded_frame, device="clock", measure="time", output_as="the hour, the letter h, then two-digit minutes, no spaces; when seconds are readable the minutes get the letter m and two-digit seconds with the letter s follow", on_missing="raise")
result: 6h19
